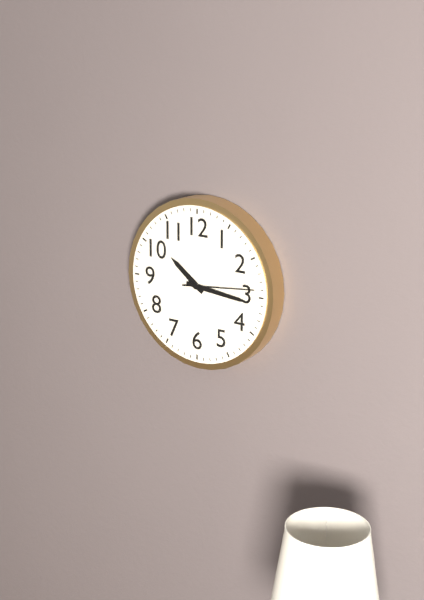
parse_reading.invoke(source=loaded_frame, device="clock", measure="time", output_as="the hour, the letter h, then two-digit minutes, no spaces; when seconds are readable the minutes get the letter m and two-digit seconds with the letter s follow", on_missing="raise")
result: 10h16m14s
